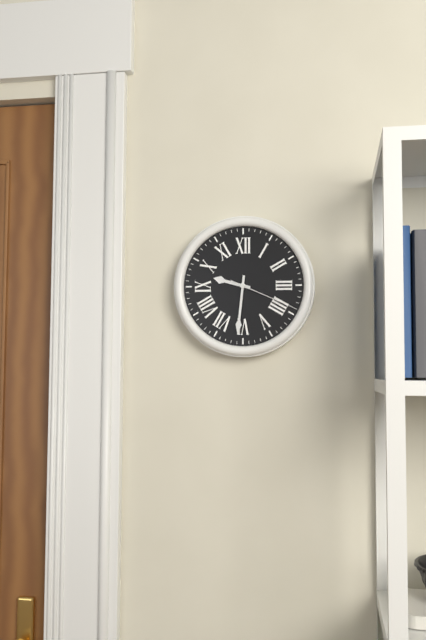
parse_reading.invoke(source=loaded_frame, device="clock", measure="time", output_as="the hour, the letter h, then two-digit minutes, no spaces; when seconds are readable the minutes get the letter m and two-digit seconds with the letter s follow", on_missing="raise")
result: 9h31m19s
